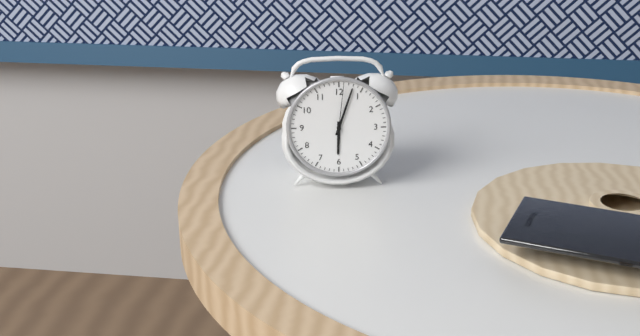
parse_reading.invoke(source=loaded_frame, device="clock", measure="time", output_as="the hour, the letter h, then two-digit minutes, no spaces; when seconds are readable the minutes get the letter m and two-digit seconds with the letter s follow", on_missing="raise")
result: 6h03m01s
